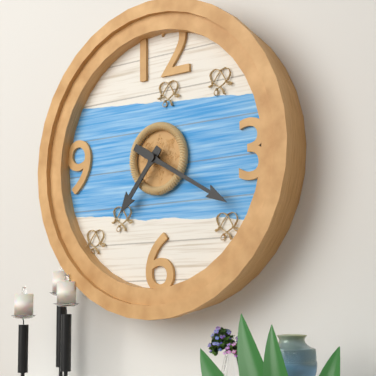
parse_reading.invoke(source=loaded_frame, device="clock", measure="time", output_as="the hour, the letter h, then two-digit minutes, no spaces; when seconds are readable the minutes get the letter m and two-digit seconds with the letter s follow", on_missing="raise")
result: 7h20
